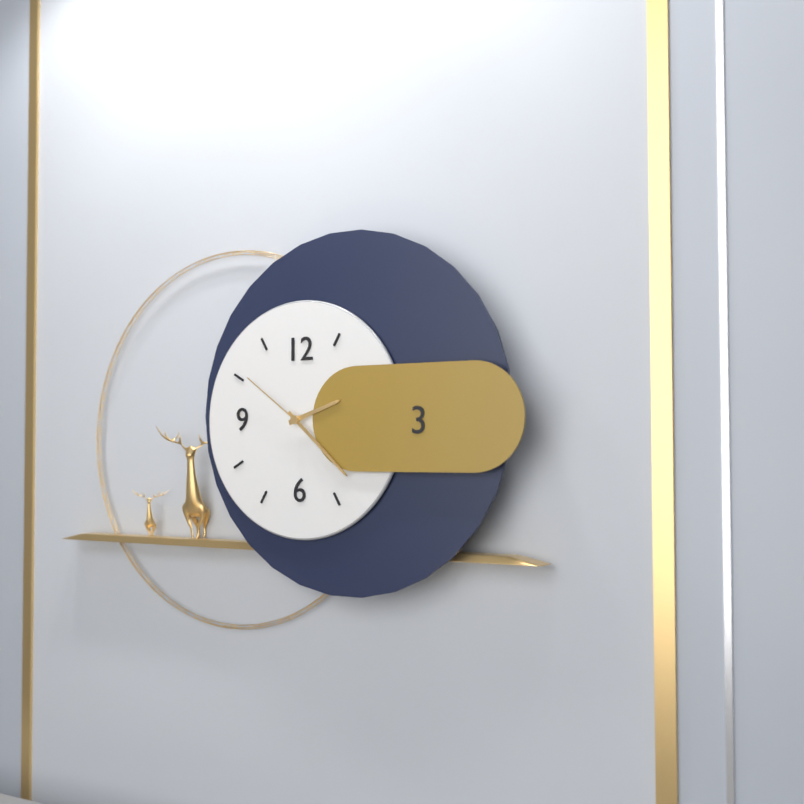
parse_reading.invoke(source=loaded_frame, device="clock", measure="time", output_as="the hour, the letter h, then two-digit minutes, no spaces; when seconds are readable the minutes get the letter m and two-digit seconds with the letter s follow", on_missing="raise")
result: 2h22m51s
